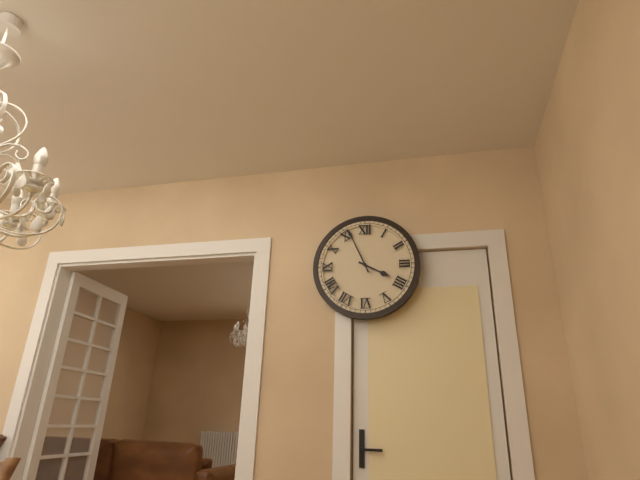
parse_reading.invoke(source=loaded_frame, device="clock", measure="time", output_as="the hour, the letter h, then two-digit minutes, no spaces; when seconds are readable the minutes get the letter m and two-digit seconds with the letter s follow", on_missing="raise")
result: 3h56
